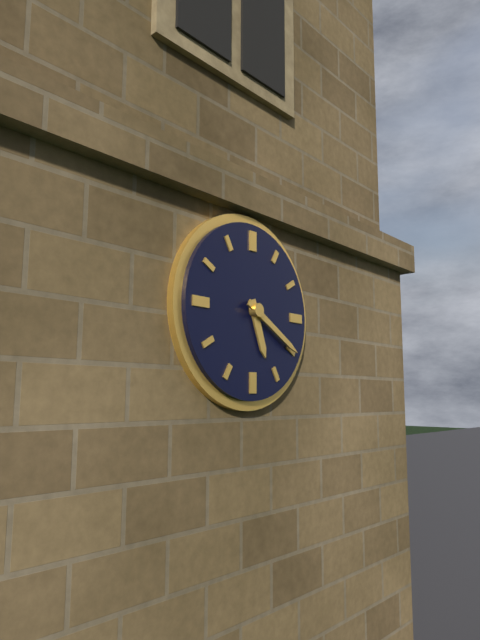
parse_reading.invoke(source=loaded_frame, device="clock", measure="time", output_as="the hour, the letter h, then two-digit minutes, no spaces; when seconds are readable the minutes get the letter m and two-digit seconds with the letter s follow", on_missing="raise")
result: 5h20
